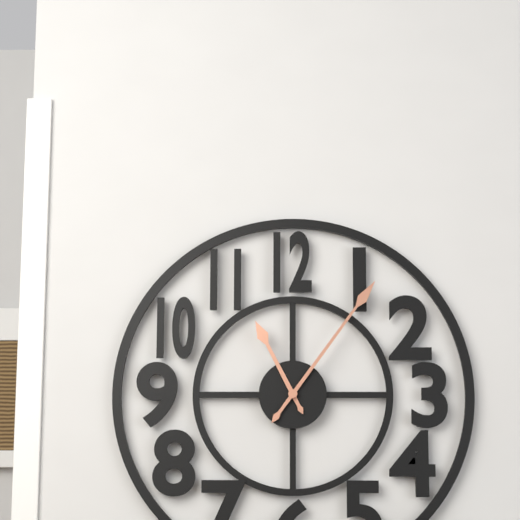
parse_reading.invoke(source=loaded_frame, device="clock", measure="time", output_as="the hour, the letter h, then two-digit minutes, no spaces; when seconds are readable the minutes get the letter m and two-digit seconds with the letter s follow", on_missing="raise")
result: 11h06
